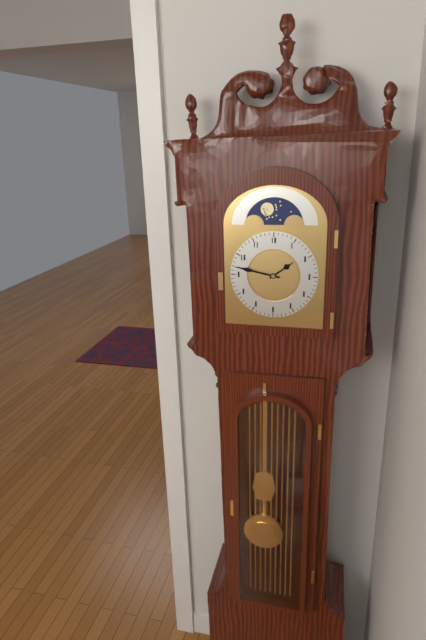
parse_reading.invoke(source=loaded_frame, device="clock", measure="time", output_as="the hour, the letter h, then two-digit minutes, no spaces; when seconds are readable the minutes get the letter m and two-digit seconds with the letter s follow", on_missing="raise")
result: 1h47
